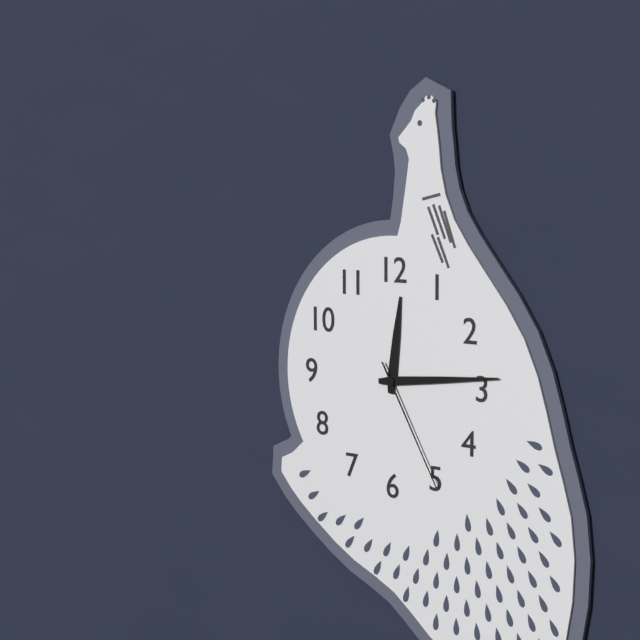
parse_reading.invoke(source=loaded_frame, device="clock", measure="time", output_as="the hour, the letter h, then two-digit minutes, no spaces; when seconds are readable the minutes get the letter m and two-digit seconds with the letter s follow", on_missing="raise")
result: 12h14m25s
